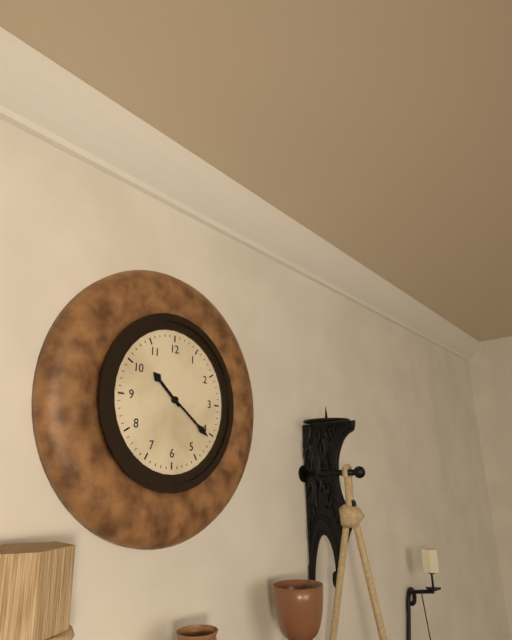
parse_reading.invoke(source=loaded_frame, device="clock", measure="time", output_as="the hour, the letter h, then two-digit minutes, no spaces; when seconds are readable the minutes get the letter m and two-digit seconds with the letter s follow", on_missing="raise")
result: 10h21
